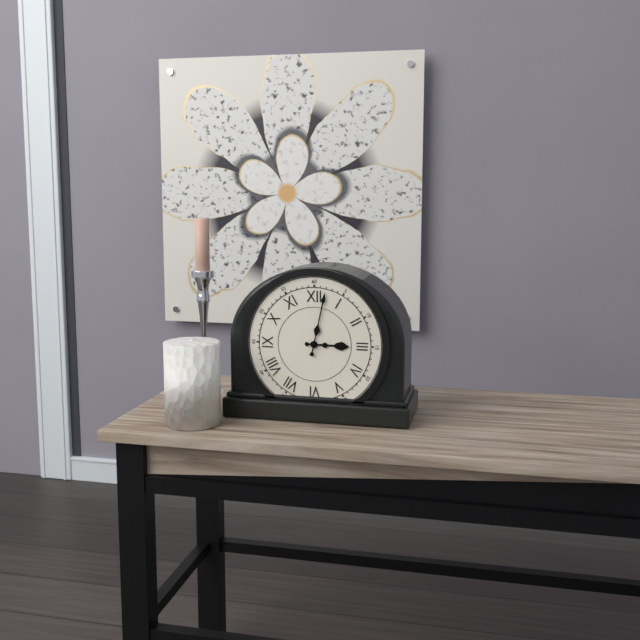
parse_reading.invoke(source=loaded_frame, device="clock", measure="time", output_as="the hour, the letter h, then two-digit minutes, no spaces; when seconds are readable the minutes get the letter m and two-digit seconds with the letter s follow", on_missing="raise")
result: 3h02
